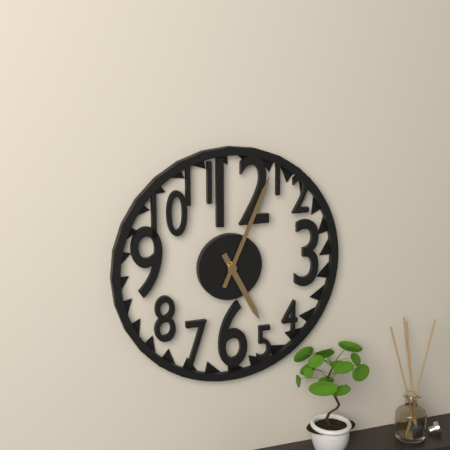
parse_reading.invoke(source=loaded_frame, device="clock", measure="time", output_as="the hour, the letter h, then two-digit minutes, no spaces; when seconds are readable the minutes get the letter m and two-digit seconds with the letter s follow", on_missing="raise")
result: 5h04
